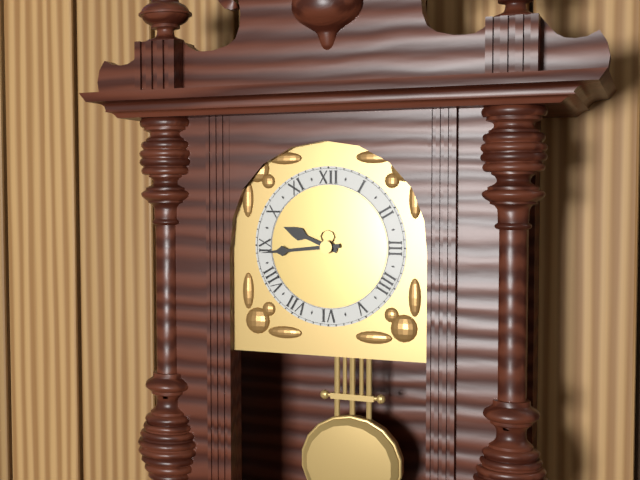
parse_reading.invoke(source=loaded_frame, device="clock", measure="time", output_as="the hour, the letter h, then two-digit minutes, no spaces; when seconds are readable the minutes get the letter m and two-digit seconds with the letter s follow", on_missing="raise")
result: 9h44
